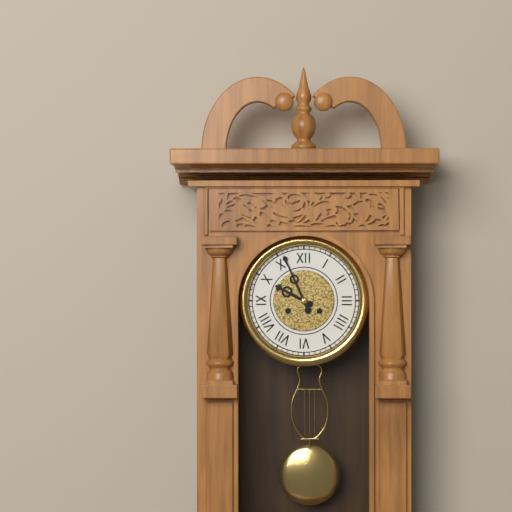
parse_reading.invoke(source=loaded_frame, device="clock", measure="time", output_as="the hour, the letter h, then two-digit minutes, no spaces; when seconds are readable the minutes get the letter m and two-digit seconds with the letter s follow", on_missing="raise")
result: 9h56
